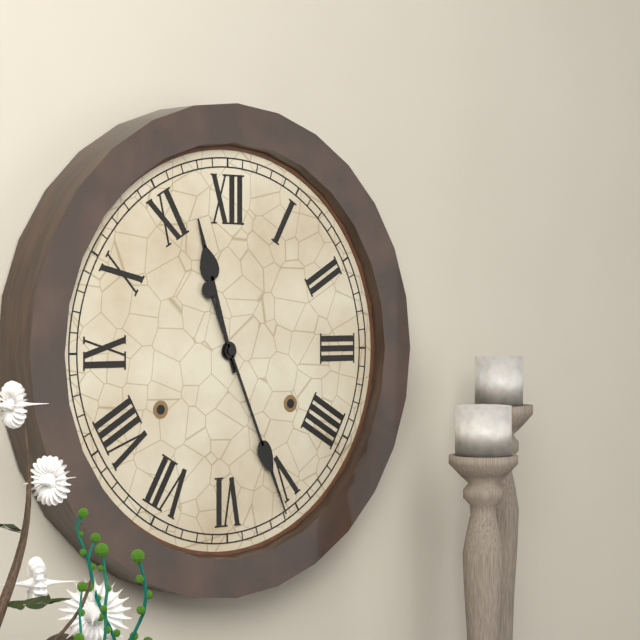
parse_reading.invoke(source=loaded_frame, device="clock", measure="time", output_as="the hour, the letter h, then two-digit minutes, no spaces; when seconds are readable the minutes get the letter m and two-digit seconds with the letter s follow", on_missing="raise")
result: 11h26
